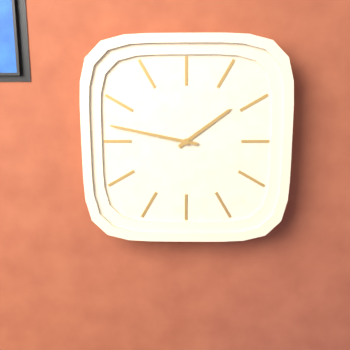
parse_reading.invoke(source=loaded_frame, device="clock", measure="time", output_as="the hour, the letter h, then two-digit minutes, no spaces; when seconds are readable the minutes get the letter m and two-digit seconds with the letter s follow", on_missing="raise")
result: 1h47
